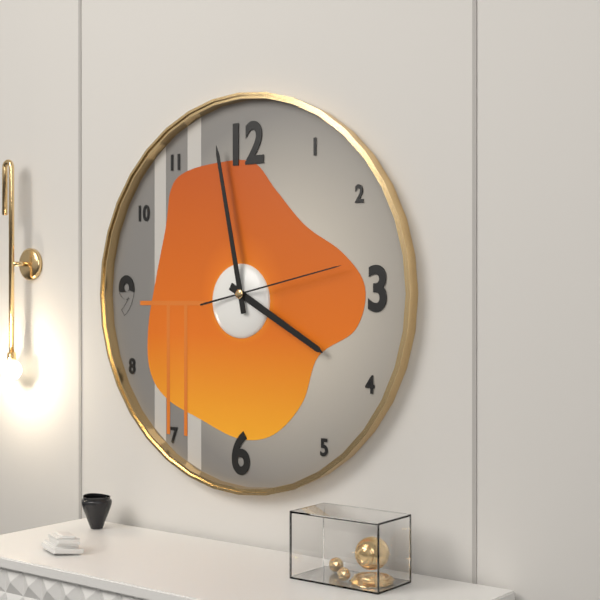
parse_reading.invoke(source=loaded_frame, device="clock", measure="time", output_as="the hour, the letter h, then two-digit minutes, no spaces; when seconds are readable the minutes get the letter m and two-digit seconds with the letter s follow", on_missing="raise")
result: 3h58m13s
